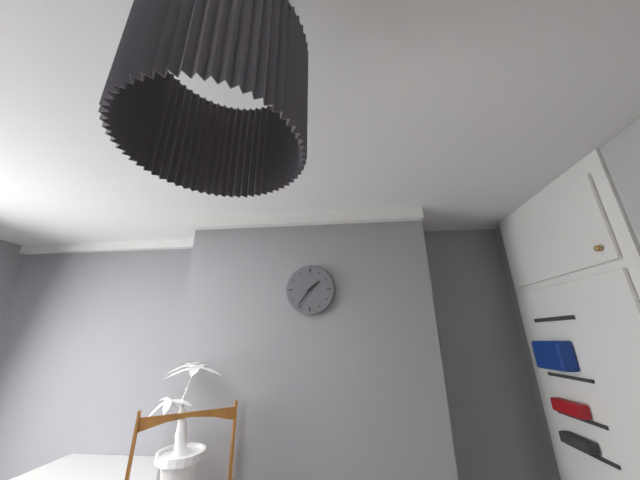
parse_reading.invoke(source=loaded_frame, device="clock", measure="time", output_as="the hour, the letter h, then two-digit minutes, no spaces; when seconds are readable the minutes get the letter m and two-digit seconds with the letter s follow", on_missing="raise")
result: 1h36
